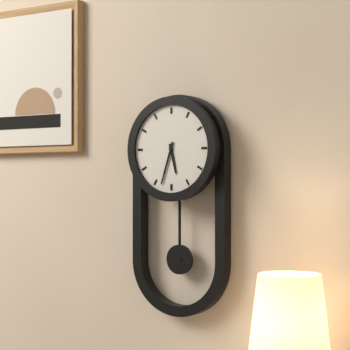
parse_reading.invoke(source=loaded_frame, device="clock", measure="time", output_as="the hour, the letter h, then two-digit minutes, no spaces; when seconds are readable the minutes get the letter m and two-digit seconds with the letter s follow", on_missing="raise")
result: 5h33
